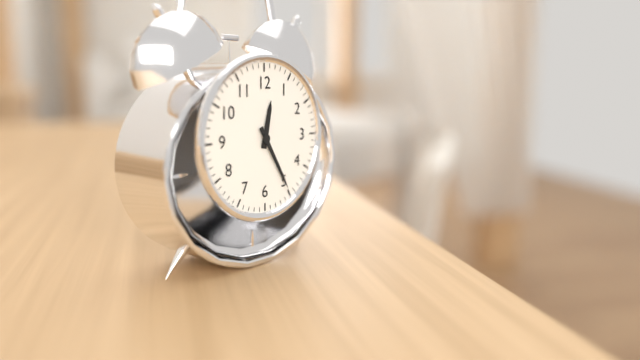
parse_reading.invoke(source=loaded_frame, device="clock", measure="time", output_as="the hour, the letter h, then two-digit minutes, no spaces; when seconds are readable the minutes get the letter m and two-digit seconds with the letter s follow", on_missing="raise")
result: 12h25
